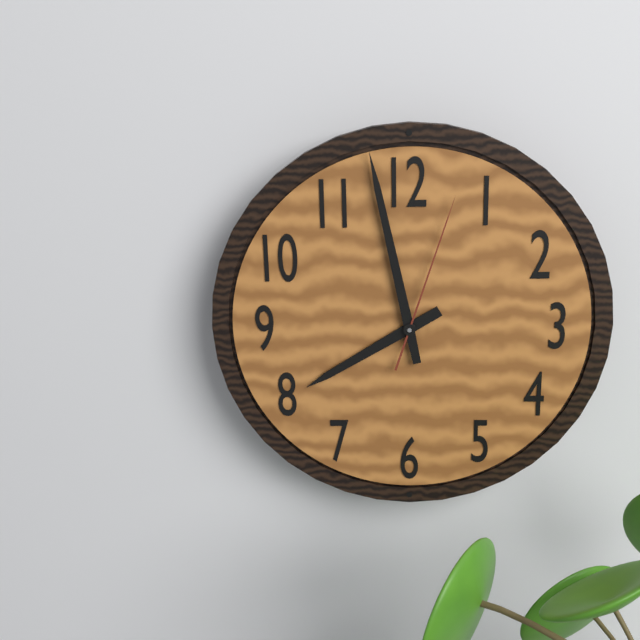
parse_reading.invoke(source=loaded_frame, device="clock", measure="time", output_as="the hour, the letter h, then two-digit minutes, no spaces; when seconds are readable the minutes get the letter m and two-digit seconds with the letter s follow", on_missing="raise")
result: 7h58m03s
